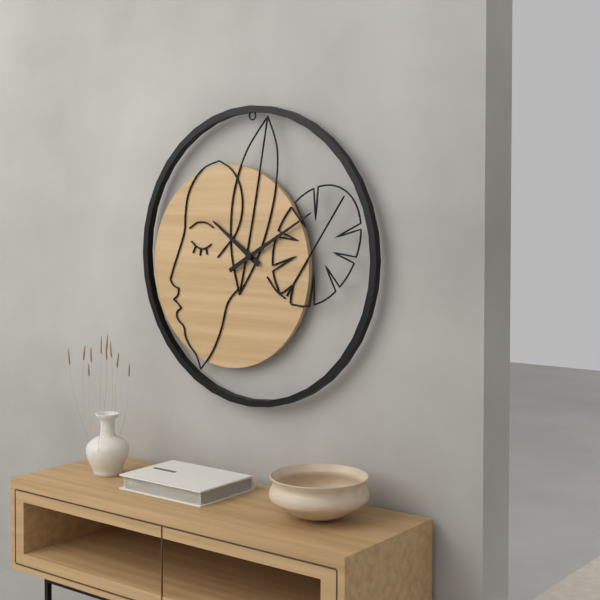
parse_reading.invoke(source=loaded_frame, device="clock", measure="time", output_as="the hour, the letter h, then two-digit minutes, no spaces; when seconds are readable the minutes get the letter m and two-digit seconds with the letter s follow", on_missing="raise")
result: 10h10
